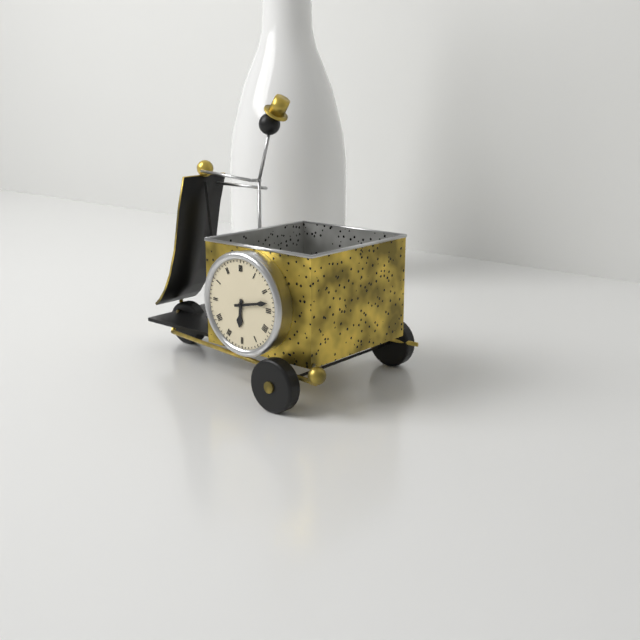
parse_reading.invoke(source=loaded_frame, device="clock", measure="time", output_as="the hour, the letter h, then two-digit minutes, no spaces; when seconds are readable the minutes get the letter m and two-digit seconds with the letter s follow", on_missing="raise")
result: 6h13
